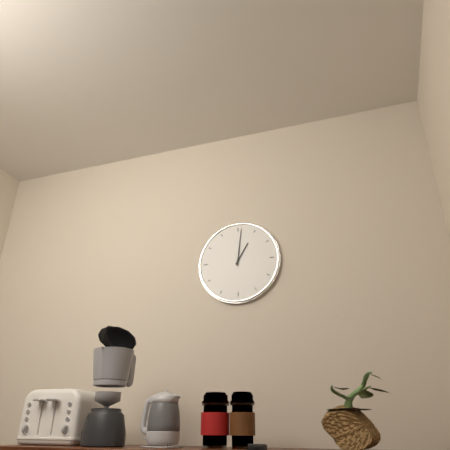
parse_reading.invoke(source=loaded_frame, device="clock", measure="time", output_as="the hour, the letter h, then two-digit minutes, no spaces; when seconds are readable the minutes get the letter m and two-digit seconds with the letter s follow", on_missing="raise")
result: 1h01
